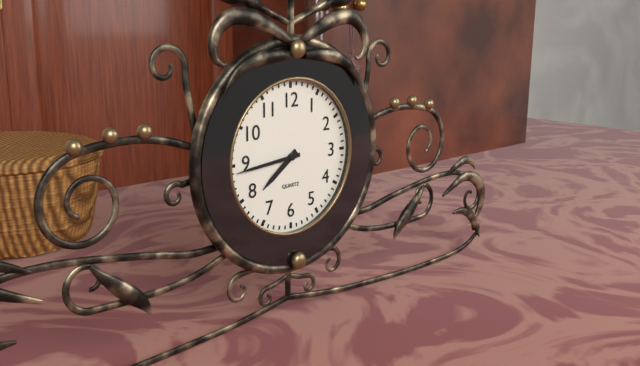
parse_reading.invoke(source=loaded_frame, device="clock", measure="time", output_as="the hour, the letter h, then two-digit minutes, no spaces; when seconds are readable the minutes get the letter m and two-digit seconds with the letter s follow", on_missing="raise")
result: 7h44
